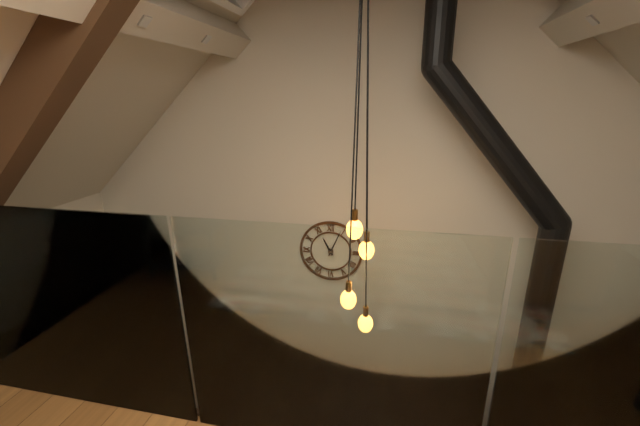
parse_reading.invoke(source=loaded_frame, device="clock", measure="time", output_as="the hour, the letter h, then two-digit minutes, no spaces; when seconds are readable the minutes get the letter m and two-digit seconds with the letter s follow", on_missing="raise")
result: 11h04
